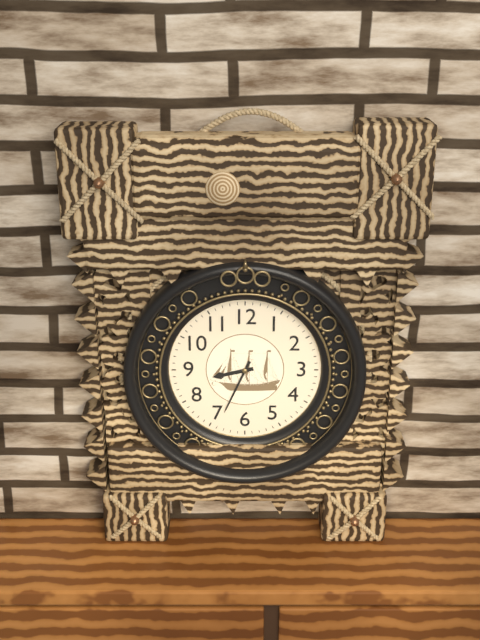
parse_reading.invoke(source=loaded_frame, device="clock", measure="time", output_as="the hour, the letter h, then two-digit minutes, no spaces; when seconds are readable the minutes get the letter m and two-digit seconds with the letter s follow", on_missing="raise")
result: 8h34
